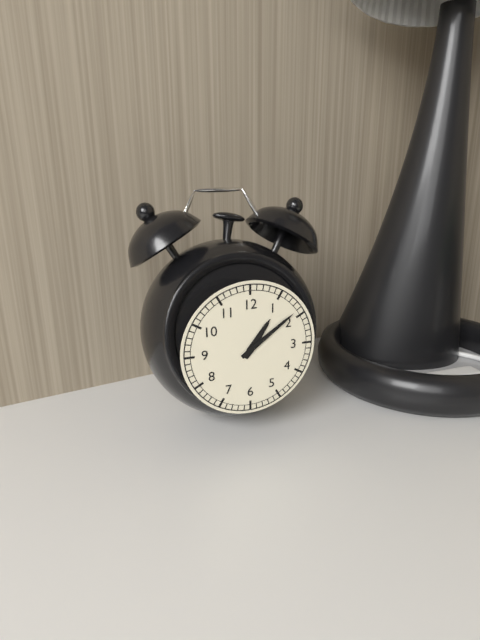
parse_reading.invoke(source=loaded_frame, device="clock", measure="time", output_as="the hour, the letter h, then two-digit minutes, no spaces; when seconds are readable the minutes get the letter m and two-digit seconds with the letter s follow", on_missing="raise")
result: 1h09
